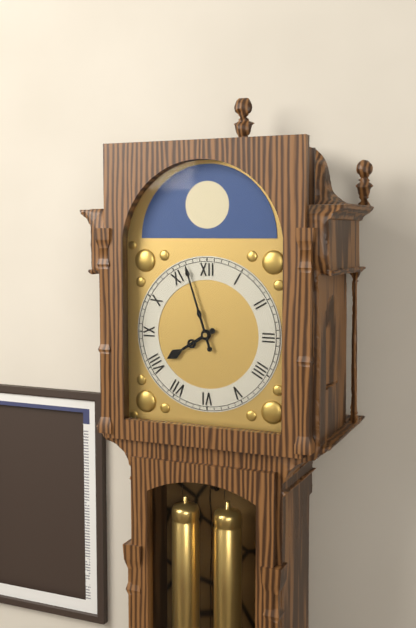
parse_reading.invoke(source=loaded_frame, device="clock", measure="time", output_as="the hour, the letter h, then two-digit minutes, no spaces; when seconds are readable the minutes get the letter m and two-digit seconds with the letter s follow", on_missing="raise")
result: 7h57
